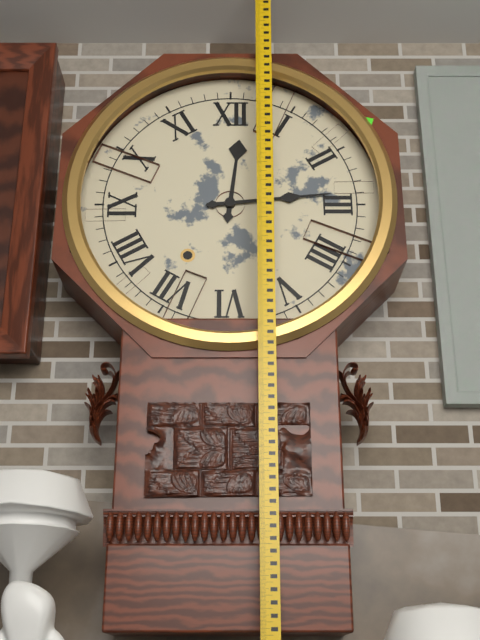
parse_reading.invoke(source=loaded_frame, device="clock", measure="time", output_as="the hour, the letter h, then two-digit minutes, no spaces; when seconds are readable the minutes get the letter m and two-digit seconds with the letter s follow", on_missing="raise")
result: 12h14
